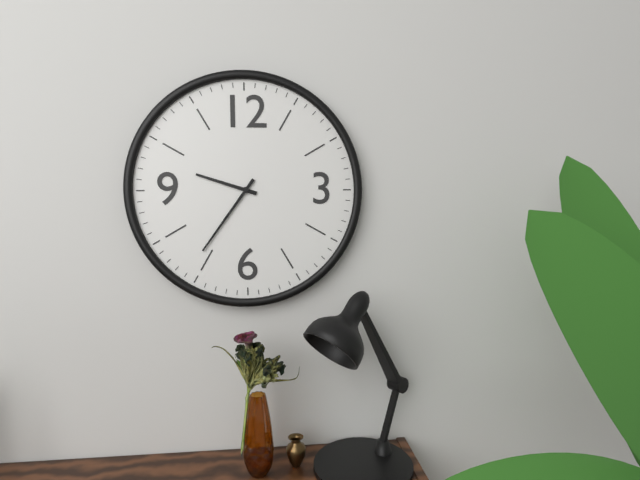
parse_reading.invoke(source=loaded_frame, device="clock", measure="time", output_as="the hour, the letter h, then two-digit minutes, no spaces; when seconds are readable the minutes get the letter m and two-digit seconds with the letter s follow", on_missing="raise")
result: 9h36
